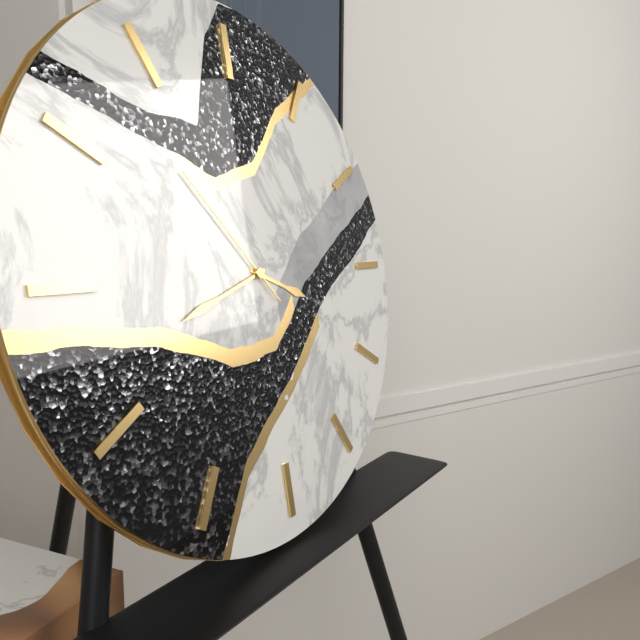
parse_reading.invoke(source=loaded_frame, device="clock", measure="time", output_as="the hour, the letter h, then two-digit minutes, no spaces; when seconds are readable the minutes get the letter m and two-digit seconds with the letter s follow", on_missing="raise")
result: 3h42m53s
